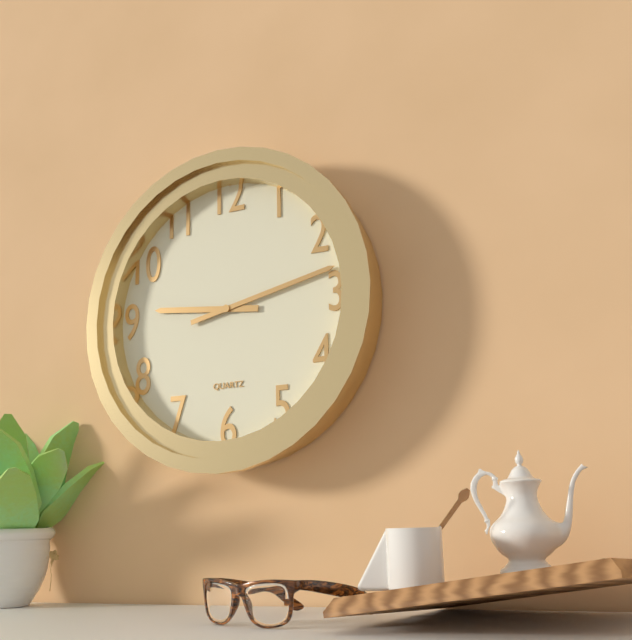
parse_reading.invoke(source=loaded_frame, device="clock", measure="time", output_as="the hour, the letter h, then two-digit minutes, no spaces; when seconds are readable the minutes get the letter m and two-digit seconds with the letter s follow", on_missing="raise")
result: 9h13
